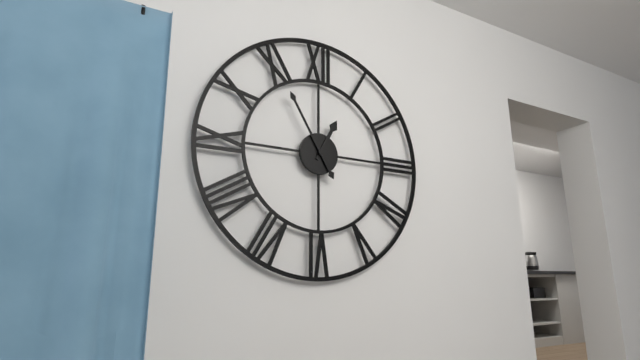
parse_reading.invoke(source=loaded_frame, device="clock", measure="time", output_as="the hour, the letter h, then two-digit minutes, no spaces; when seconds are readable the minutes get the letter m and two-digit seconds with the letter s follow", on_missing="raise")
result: 12h55
